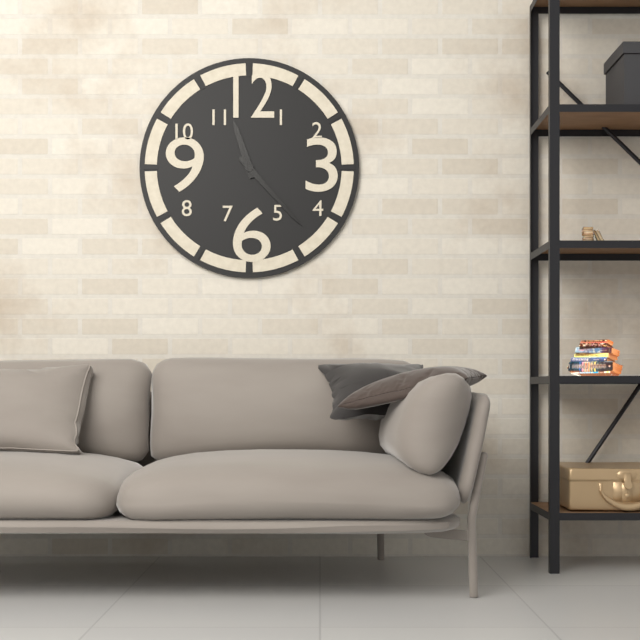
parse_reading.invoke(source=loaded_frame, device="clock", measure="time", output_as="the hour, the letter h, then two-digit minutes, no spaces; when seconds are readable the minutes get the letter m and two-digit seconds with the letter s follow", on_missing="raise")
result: 11h23
